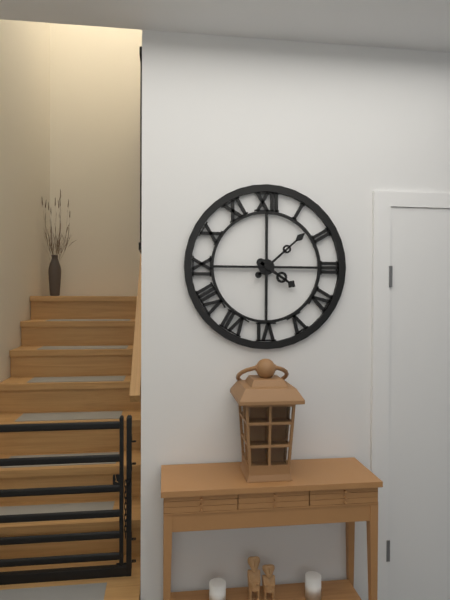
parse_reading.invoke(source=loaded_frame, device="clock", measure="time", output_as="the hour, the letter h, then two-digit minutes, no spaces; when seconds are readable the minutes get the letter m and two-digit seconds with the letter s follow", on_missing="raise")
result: 4h08
